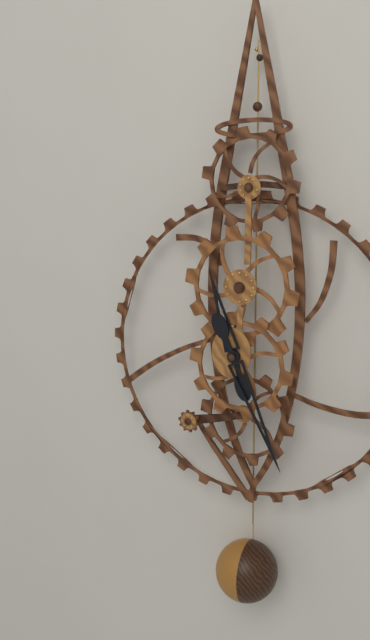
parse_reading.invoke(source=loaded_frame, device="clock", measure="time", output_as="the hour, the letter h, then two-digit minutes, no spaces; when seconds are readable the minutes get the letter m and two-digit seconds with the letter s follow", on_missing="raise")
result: 11h26
